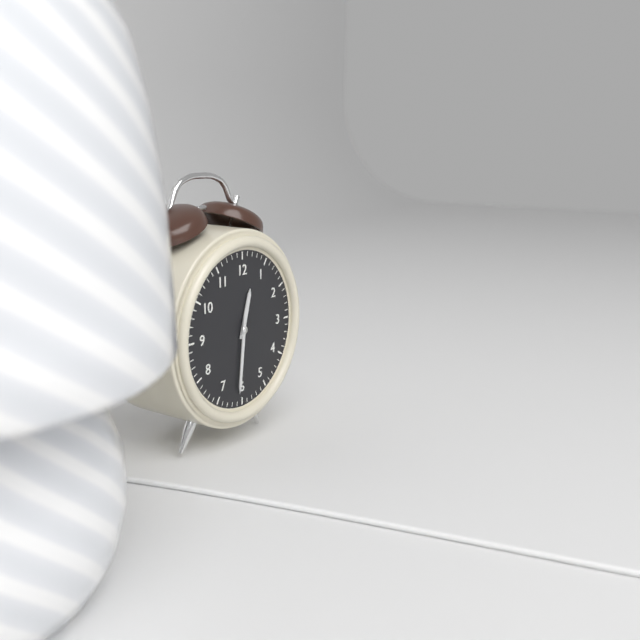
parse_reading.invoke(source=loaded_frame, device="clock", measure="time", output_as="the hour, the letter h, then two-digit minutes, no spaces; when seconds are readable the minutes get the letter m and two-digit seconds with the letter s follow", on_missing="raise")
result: 12h31
